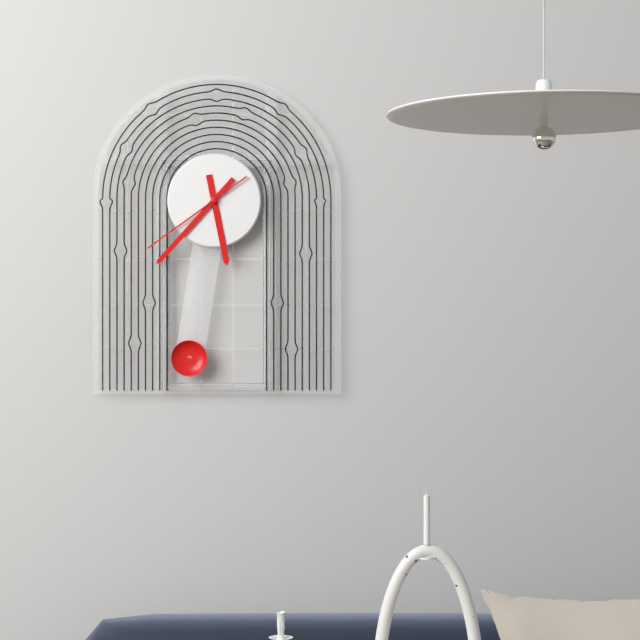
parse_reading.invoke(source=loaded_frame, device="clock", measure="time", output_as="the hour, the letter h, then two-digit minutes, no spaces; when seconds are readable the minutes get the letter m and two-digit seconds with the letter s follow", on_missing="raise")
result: 5h37m39s
